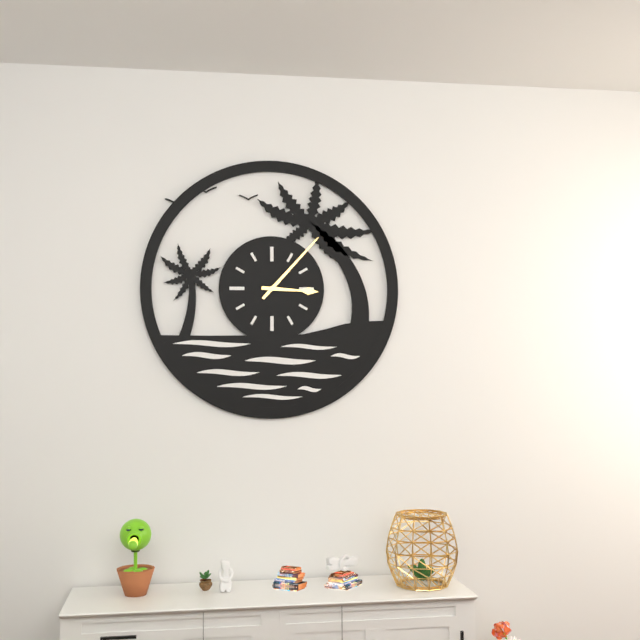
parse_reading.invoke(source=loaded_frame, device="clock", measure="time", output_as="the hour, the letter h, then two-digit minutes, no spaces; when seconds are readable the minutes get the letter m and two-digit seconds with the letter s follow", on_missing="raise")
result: 3h07
